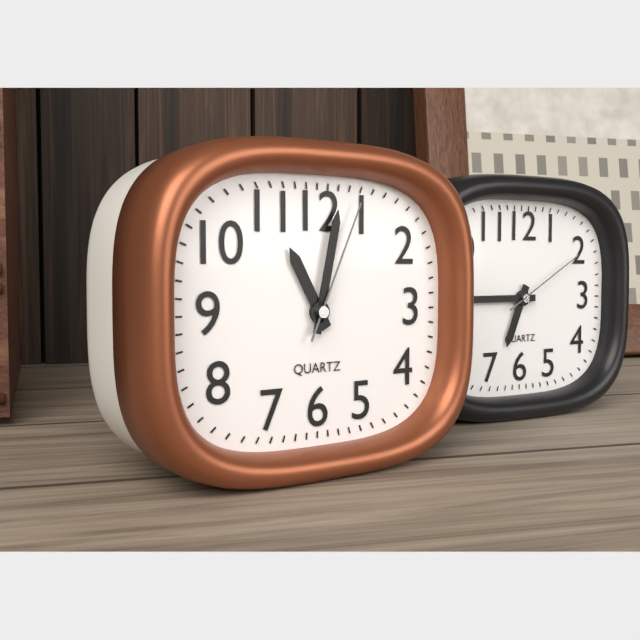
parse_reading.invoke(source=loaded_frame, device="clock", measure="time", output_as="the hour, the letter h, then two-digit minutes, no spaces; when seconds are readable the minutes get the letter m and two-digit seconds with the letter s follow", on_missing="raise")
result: 11h02m04s
